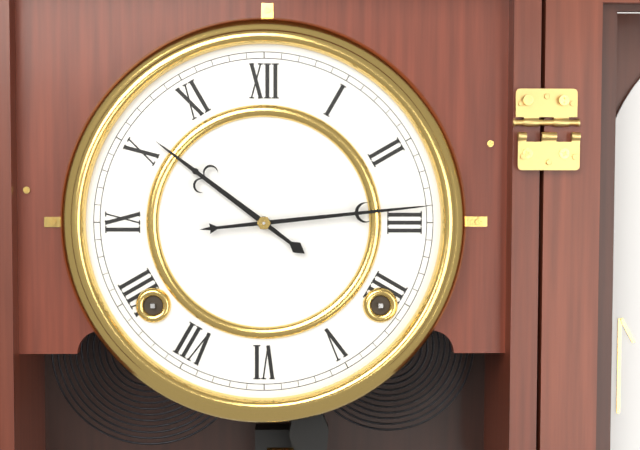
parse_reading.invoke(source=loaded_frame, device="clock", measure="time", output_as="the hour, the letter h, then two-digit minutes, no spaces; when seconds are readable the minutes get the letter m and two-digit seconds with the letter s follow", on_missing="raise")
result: 10h14
